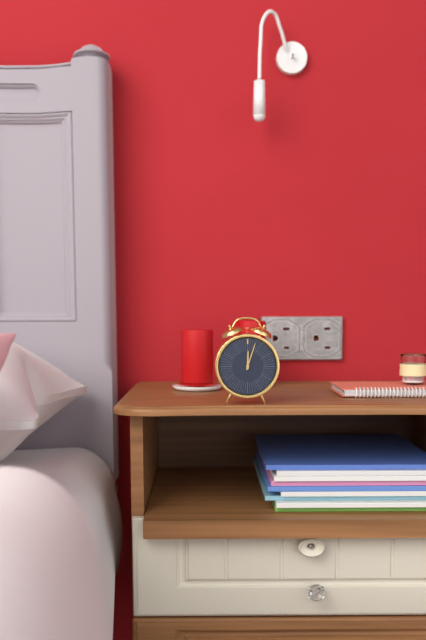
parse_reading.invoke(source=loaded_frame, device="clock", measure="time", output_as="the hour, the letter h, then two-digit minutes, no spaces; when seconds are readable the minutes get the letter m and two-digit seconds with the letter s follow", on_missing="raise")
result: 12h03
